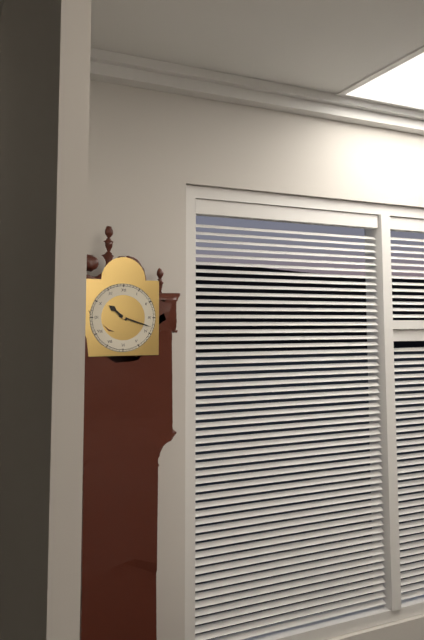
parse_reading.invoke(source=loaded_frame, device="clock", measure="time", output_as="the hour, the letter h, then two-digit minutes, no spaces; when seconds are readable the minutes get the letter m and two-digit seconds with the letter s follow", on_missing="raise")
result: 10h18
